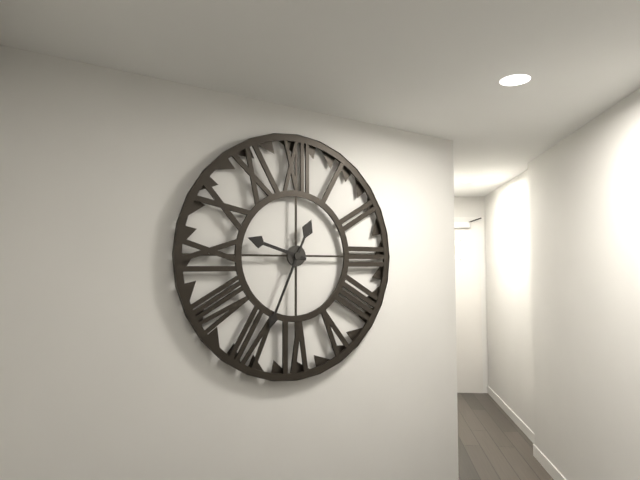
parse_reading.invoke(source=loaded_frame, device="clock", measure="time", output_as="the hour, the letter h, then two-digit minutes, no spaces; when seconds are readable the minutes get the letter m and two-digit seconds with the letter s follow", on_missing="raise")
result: 9h34
